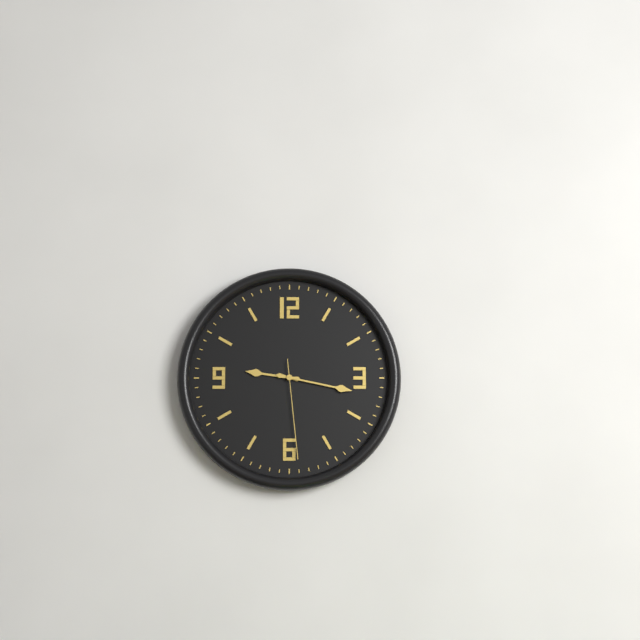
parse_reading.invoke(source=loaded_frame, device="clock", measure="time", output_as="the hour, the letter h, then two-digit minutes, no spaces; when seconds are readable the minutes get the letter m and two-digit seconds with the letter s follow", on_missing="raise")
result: 9h17m29s
